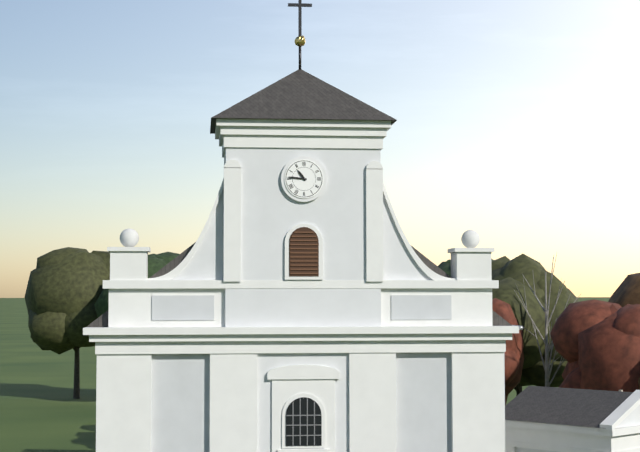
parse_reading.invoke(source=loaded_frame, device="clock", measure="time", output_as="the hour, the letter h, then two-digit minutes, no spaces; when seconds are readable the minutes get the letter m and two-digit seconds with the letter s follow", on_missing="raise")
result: 10h46
